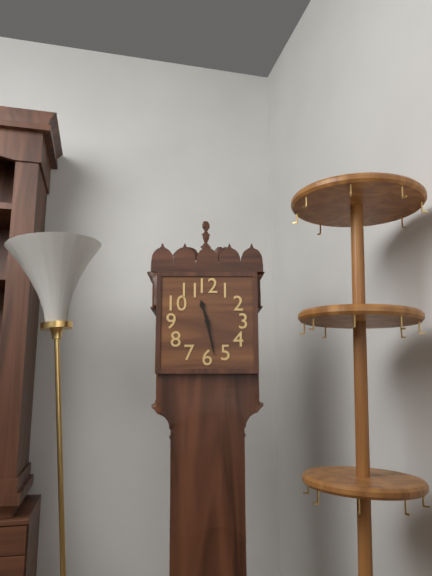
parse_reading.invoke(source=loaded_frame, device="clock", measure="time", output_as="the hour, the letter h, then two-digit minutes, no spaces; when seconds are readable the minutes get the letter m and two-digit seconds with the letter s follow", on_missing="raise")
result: 11h28
